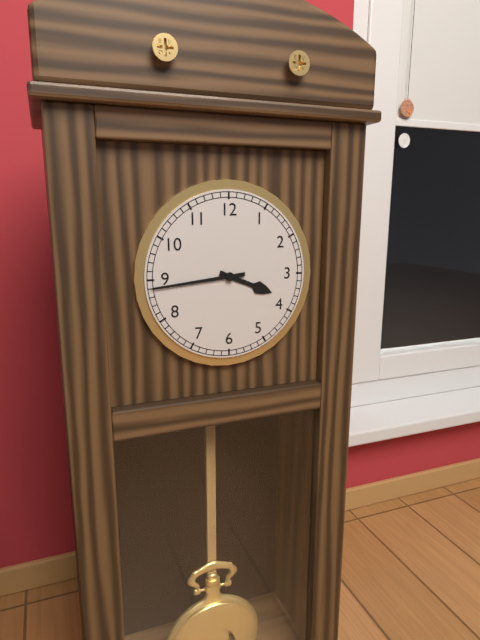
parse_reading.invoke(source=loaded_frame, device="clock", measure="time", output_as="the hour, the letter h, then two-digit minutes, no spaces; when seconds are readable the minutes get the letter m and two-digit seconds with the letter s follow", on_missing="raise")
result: 3h44
